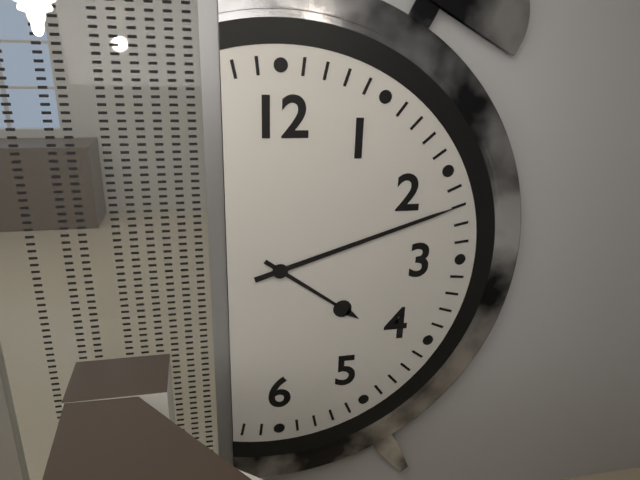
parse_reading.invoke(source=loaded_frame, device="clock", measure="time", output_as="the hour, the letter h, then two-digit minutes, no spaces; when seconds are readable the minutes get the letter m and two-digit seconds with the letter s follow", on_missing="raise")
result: 4h12
